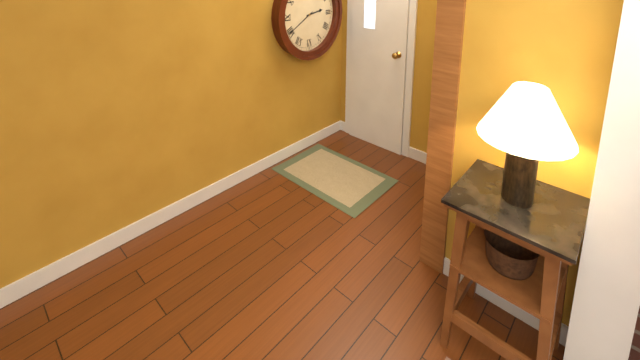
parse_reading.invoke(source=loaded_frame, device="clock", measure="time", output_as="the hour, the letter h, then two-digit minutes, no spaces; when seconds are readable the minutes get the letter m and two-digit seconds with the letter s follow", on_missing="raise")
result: 2h40
